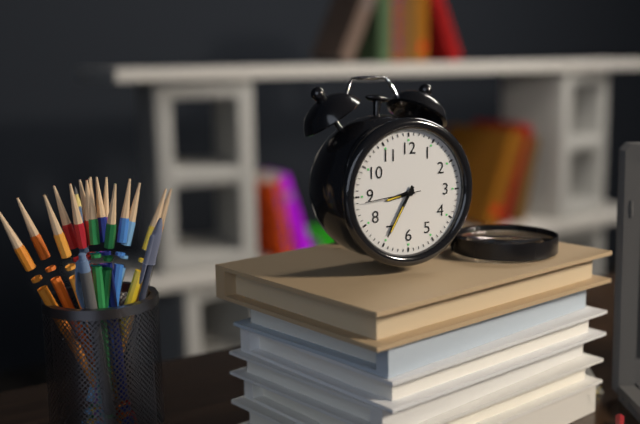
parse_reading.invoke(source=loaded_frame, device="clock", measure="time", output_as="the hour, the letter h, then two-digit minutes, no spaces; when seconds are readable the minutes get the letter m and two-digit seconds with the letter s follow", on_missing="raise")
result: 8h35m44s
